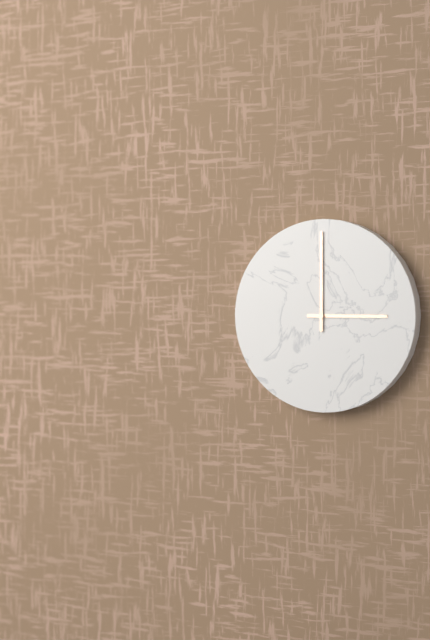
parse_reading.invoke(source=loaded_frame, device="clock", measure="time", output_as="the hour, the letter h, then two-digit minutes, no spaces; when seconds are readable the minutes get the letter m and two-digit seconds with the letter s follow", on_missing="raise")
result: 3h00
